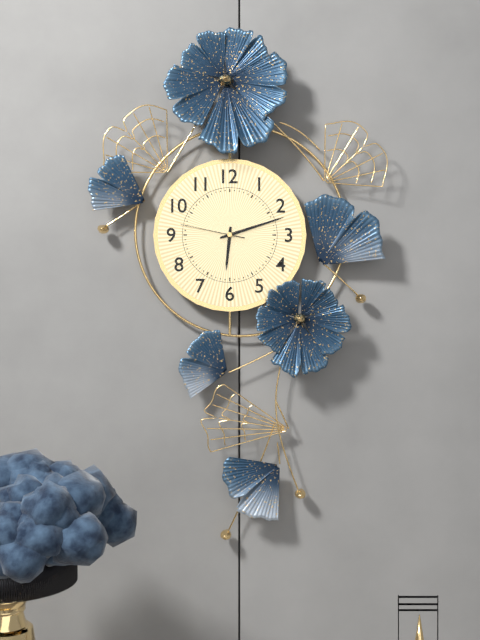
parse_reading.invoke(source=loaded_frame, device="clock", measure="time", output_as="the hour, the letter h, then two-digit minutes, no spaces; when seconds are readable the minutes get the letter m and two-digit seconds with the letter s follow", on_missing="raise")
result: 6h12m47s
